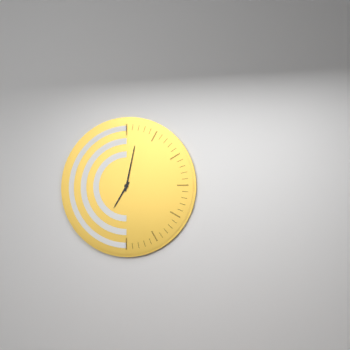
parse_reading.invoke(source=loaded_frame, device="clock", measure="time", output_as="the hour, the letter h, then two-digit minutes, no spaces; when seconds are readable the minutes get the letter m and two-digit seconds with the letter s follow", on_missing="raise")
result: 7h02
